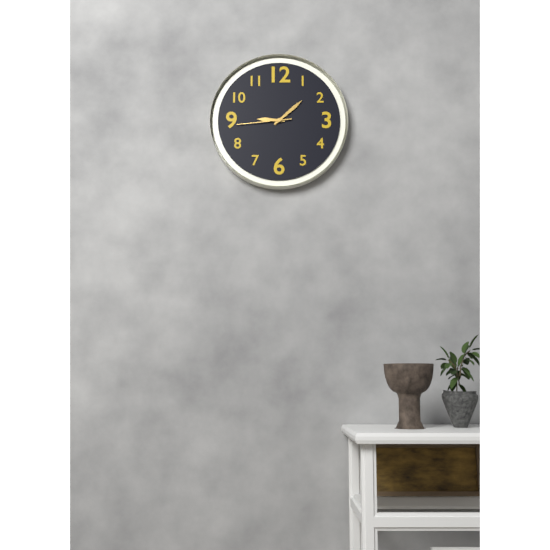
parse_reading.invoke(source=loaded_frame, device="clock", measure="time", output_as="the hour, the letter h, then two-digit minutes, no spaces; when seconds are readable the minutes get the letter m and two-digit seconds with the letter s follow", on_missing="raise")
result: 9h08m44s
